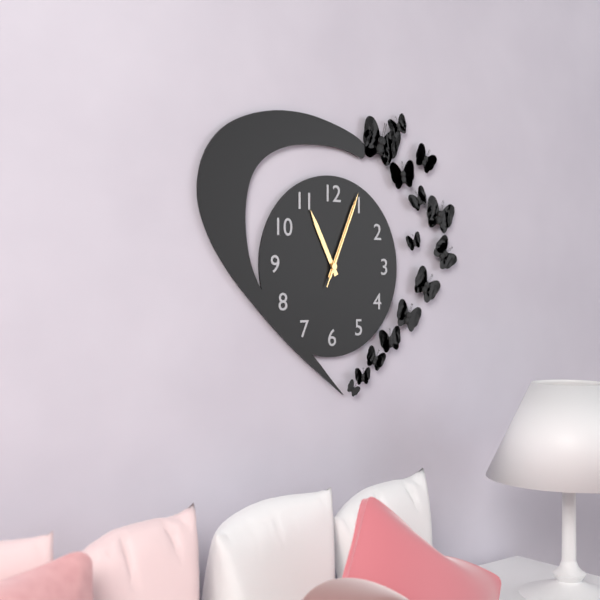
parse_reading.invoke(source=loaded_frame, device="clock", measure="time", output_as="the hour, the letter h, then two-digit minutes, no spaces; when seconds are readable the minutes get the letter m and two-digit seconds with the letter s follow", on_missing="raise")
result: 11h04m04s
